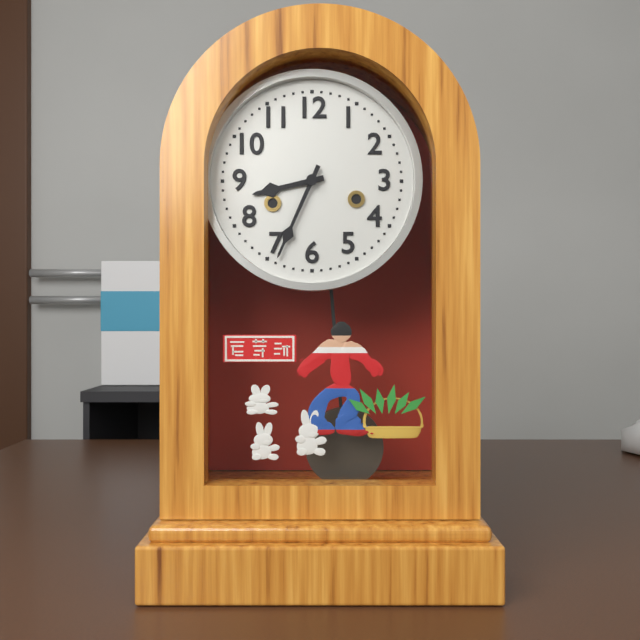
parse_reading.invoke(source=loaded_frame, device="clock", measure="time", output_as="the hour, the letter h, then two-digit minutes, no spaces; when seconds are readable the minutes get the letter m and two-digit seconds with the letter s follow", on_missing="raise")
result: 8h34
